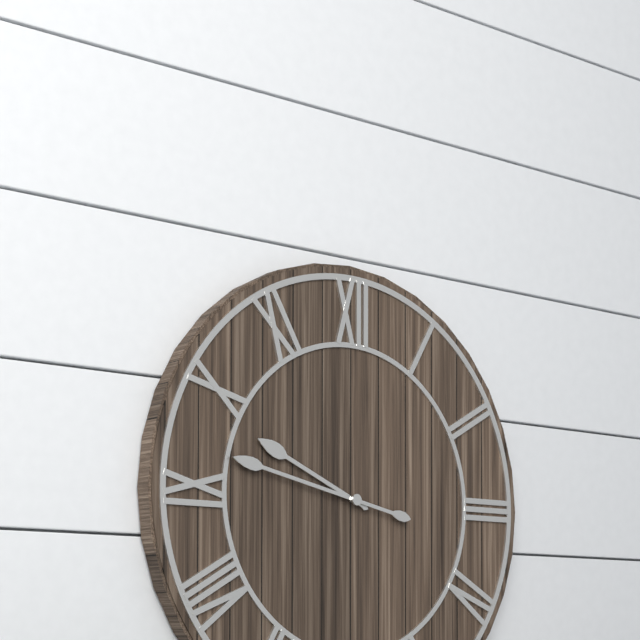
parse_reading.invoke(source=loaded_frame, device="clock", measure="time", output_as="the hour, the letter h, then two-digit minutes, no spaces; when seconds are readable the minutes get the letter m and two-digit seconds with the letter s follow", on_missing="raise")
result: 9h47
